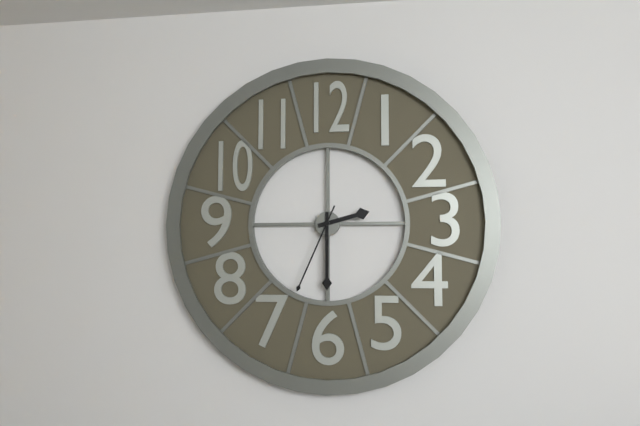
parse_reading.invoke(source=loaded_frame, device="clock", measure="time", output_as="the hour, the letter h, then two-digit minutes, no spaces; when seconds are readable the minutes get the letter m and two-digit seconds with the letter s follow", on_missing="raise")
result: 2h30m34s
